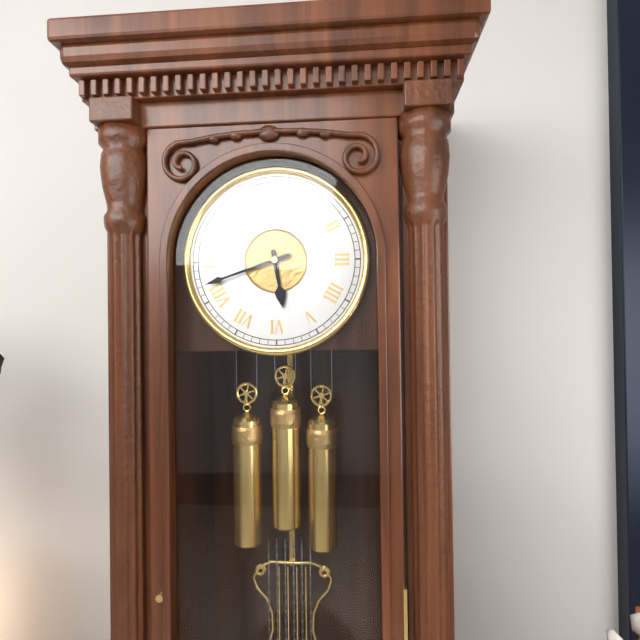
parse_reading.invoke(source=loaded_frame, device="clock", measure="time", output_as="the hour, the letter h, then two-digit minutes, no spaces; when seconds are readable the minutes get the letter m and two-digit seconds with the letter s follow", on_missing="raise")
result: 5h42
